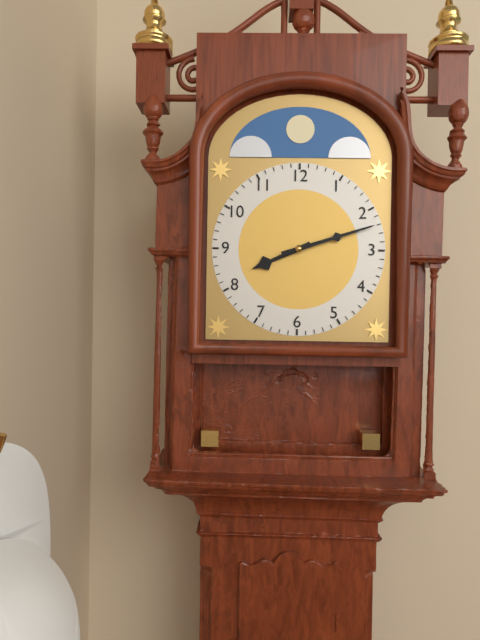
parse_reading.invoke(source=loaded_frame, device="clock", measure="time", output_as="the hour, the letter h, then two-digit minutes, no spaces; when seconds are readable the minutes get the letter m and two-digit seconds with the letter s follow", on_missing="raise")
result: 8h12
